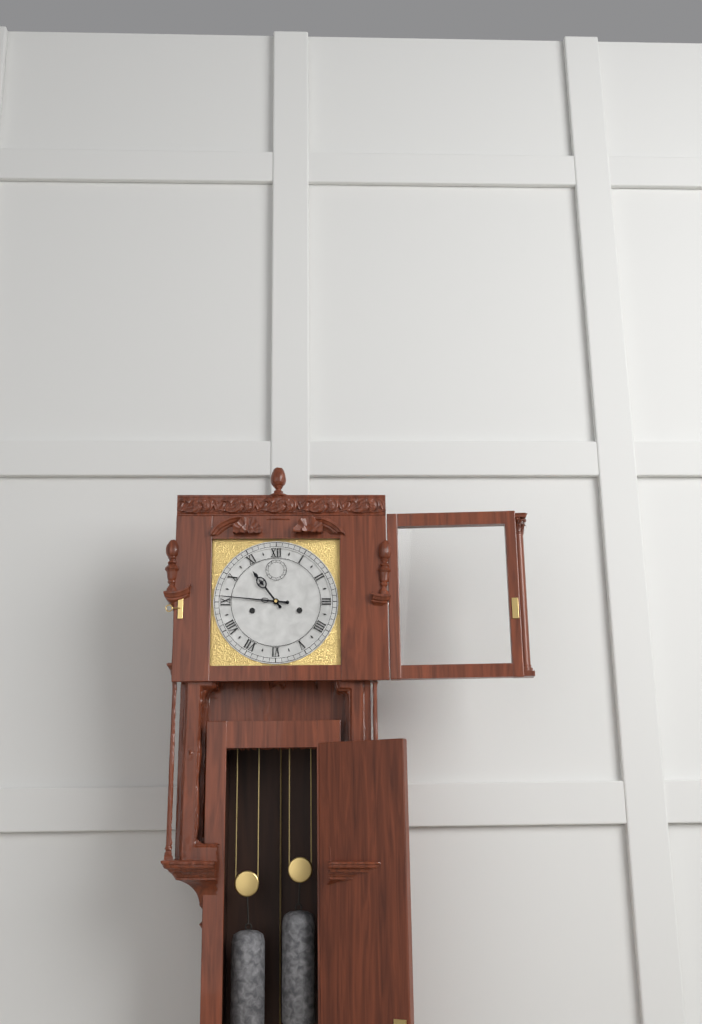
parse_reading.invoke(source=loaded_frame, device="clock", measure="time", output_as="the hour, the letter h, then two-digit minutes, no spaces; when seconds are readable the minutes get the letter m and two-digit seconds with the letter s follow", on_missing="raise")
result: 10h46
